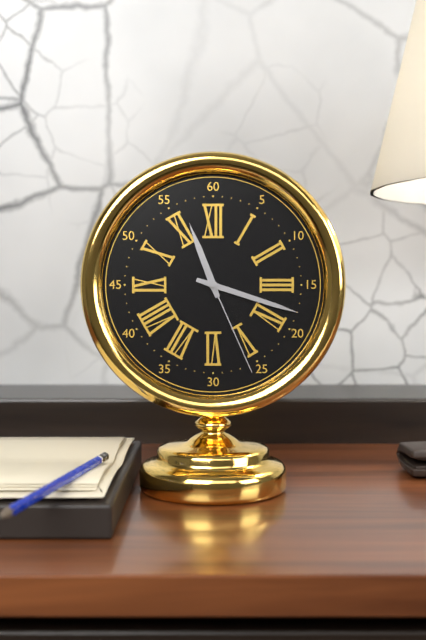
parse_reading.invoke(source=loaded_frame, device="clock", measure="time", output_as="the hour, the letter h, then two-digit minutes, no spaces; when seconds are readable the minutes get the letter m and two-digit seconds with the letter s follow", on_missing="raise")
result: 11h18m26s
